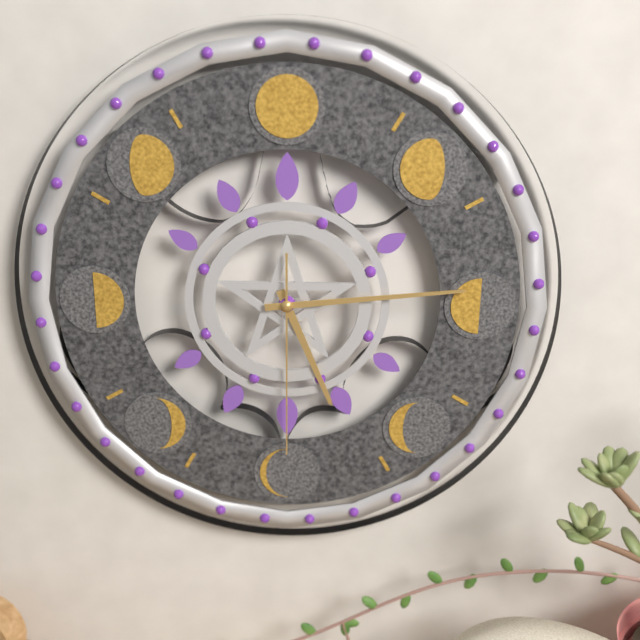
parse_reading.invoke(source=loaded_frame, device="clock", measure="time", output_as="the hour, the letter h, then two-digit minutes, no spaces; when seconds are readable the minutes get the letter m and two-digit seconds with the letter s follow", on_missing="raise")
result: 5h14m30s
